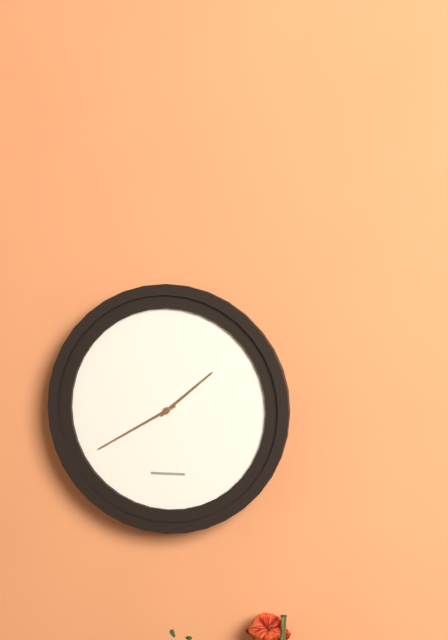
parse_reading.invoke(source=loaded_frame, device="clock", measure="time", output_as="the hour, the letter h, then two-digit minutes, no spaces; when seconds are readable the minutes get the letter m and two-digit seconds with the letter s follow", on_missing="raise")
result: 1h40
